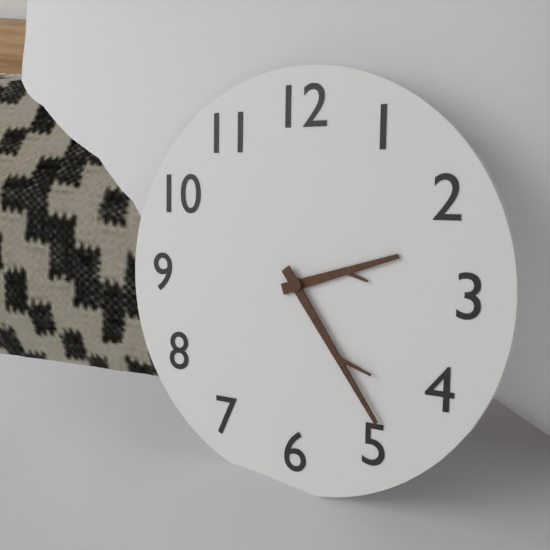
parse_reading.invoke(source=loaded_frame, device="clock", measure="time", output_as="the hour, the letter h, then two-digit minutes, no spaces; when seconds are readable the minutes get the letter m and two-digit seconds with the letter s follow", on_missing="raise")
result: 2h24
